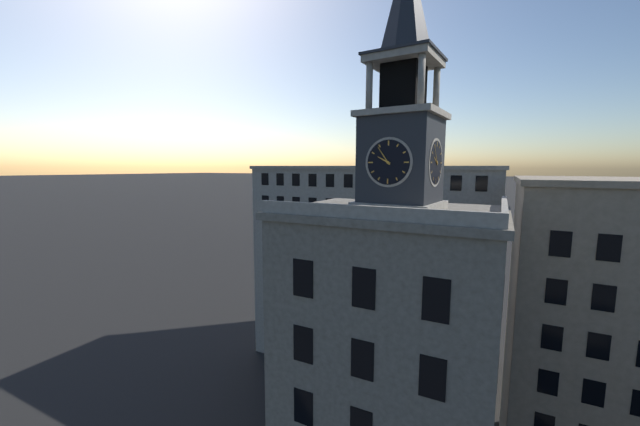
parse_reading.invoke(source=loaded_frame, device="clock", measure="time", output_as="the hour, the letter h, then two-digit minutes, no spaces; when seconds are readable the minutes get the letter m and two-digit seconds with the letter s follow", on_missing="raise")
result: 9h54
